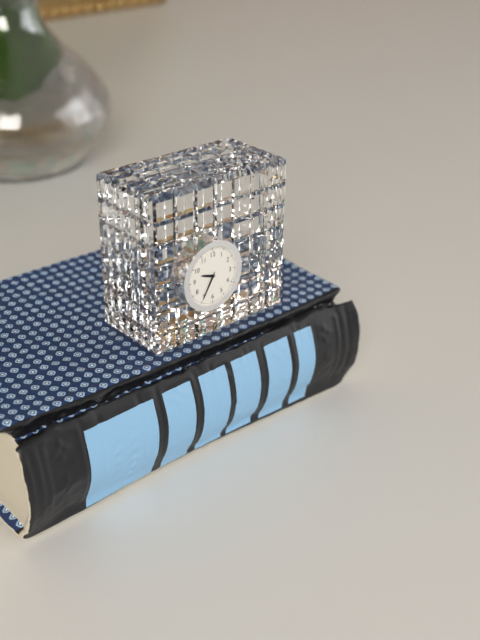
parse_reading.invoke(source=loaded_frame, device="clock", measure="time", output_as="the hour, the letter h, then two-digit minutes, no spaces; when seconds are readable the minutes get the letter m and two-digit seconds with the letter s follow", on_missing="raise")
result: 9h35
